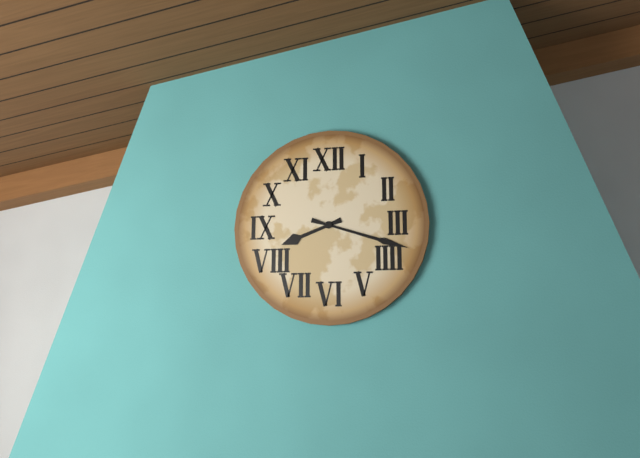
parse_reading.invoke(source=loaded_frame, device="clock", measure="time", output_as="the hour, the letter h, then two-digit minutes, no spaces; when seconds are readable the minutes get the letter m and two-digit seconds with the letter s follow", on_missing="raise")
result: 8h18
